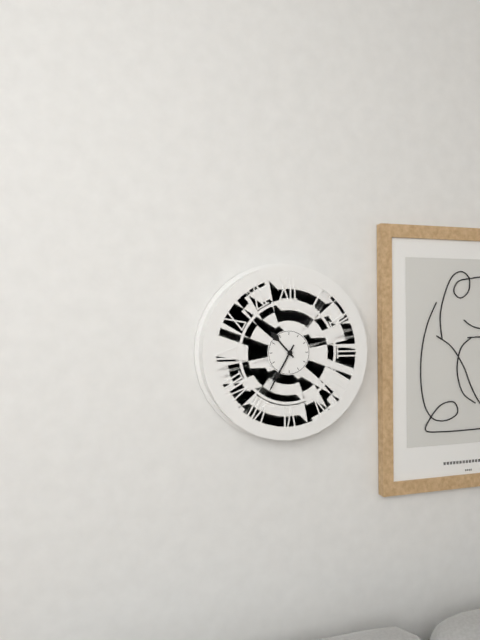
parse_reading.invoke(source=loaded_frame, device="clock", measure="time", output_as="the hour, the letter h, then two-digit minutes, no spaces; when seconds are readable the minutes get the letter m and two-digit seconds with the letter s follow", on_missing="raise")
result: 10h35
